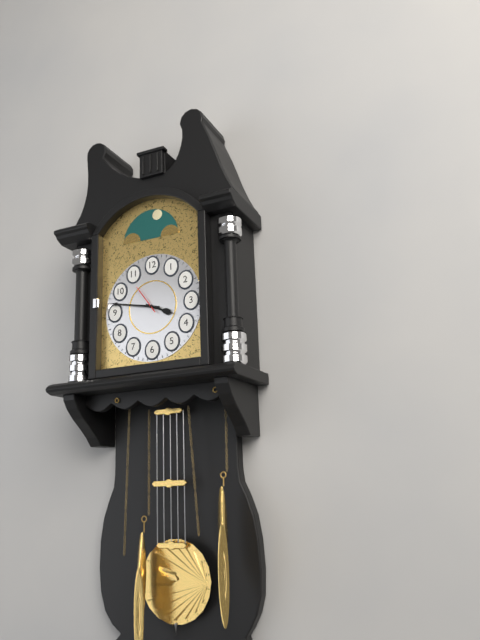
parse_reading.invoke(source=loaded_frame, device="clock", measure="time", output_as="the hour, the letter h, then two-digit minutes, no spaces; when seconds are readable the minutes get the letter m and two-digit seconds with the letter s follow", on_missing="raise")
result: 3h47
